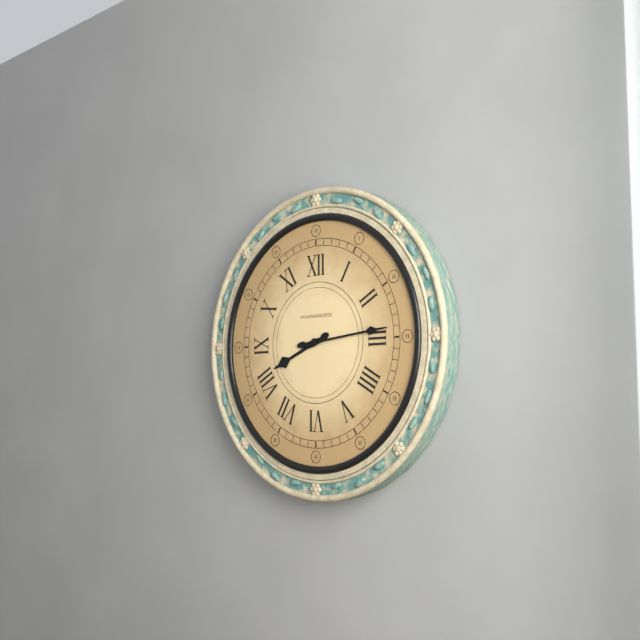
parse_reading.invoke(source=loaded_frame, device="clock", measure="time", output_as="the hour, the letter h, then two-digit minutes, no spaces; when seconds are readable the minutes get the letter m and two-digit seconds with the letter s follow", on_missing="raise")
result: 8h14
